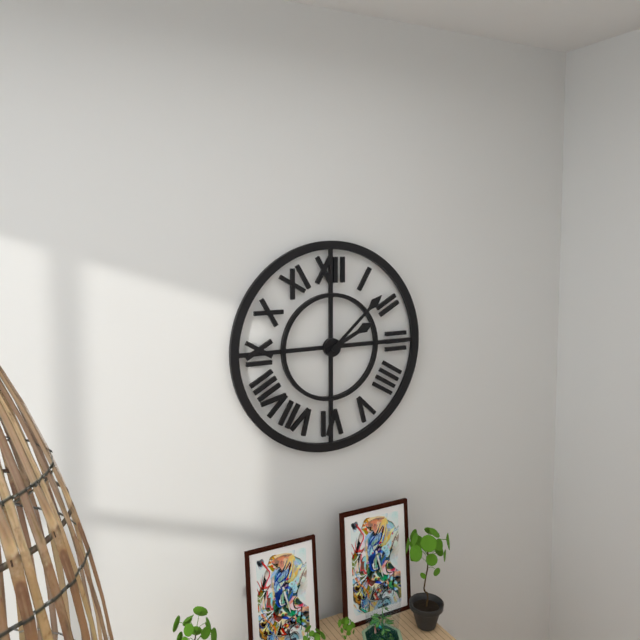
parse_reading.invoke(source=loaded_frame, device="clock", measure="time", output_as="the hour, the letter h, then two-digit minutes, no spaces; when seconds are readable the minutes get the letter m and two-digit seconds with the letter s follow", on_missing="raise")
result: 2h08
